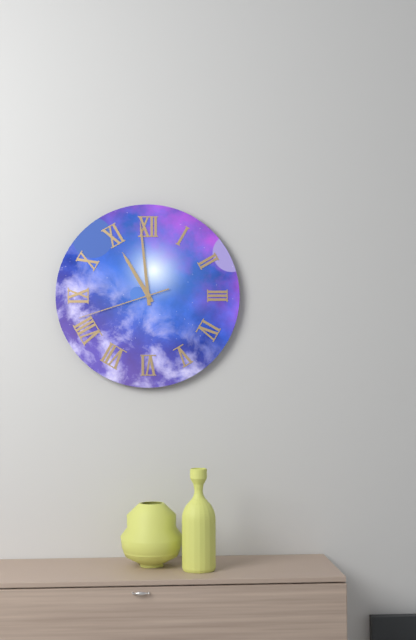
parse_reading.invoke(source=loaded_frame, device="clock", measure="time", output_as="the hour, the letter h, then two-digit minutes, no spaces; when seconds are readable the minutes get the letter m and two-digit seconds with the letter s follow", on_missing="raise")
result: 10h59m42s
